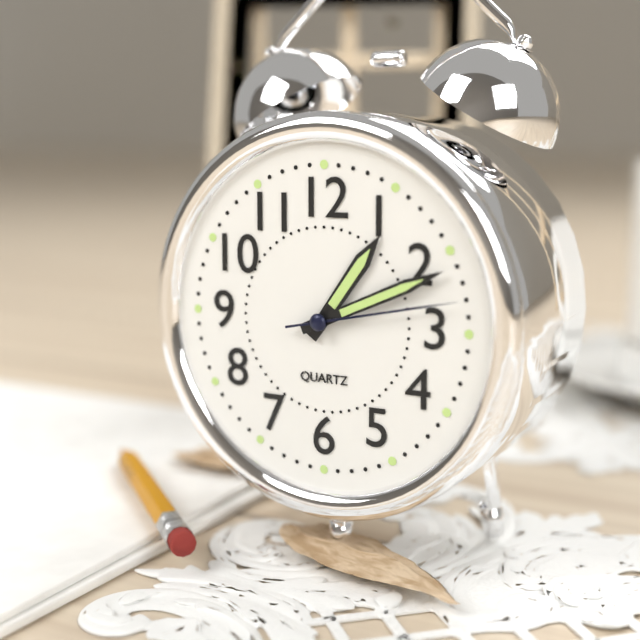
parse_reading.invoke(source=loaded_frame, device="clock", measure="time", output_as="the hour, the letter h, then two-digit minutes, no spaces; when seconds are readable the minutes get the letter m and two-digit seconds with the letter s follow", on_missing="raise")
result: 1h11m13s
